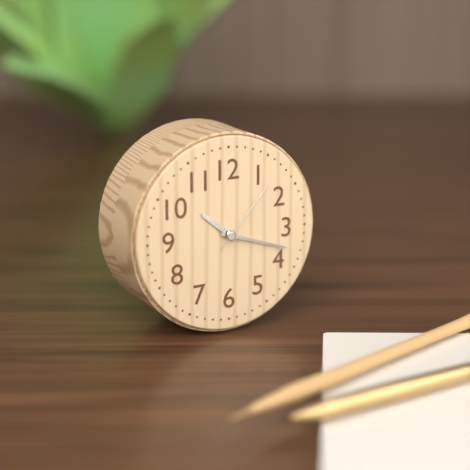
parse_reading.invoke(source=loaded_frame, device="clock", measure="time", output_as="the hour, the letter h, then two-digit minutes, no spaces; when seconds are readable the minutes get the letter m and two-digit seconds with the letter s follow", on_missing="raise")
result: 10h18m07s
